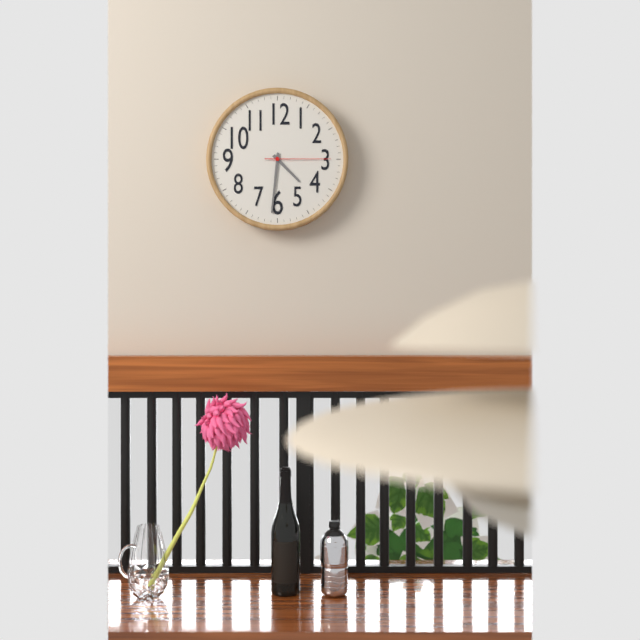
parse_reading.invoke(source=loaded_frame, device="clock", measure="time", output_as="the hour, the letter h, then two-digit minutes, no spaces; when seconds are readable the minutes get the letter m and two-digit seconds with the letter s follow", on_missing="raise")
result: 4h31m15s
